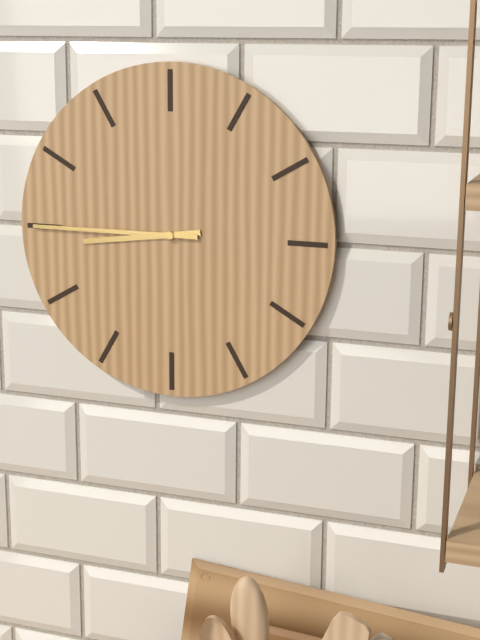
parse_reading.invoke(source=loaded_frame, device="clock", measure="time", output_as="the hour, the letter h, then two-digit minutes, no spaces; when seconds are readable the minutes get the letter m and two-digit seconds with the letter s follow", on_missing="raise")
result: 8h45
